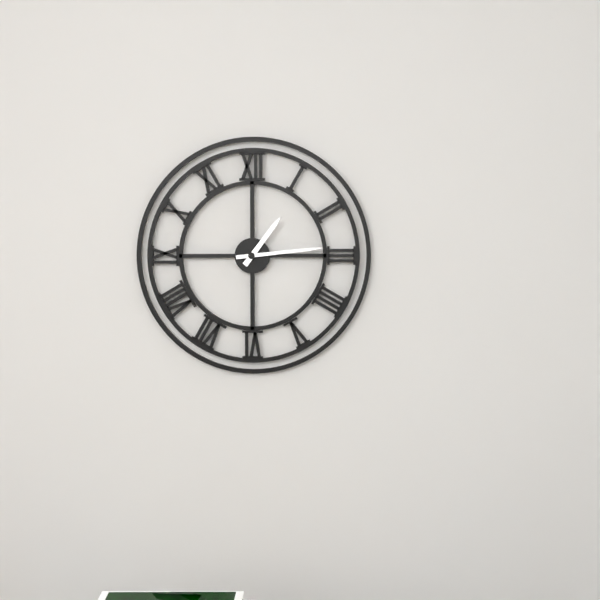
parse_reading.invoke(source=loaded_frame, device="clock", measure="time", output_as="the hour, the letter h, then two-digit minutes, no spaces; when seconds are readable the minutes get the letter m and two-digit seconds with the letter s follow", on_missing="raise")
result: 1h14
